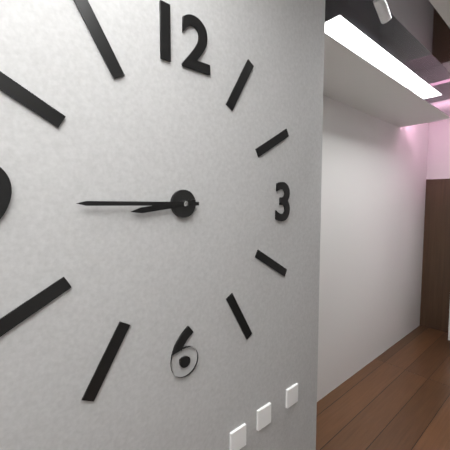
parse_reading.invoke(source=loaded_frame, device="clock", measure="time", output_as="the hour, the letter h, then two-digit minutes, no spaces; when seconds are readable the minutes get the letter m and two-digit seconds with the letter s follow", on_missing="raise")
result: 8h45
